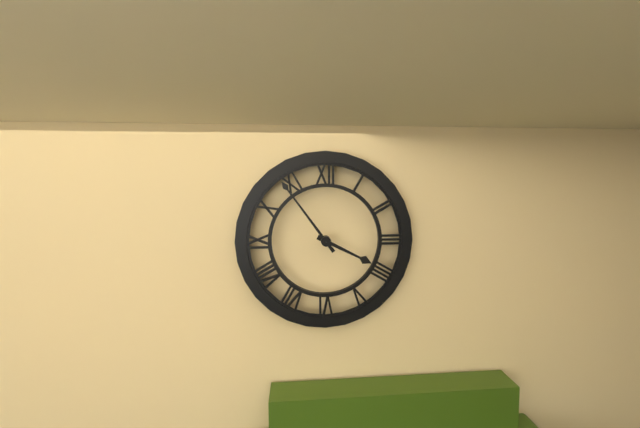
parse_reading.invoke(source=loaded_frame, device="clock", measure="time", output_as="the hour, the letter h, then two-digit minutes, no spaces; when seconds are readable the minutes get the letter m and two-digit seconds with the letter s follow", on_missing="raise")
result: 3h54
